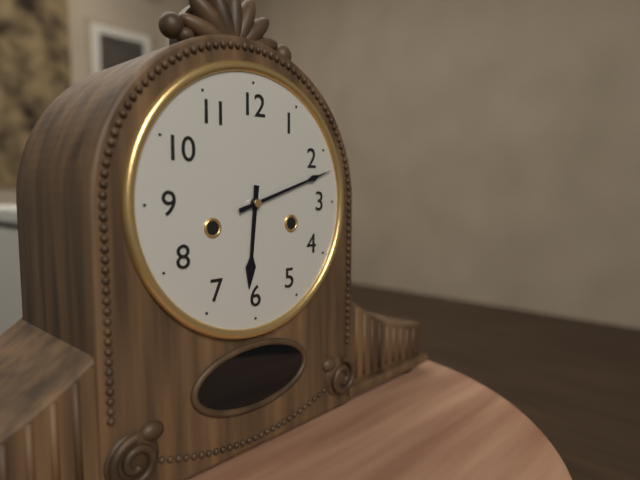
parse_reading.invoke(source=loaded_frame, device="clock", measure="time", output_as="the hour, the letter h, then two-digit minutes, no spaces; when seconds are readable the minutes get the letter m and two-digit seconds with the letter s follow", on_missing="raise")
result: 6h12
